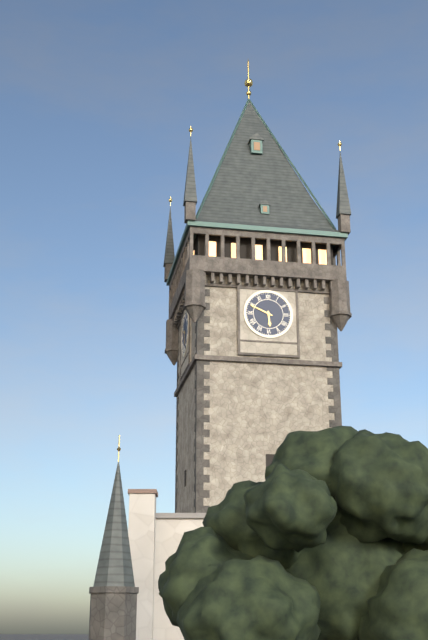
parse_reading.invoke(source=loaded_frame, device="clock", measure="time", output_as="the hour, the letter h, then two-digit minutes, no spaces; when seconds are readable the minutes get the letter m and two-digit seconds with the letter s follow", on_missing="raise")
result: 5h49
